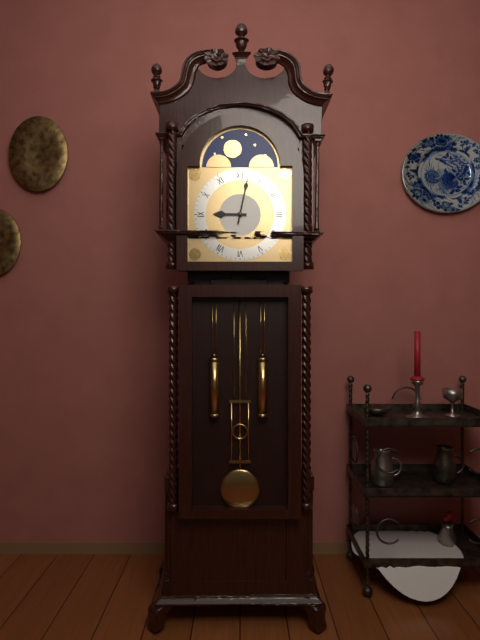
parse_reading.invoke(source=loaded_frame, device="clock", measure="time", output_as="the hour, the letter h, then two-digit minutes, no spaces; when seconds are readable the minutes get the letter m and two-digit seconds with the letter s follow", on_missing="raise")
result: 9h02
